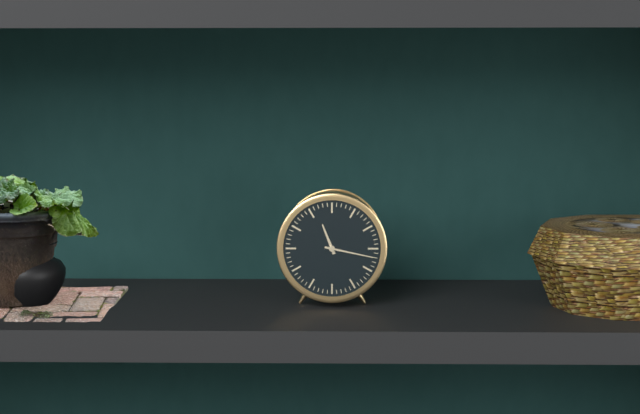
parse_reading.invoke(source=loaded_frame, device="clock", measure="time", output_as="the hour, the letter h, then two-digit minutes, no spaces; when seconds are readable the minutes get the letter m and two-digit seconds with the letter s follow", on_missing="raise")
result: 11h17
